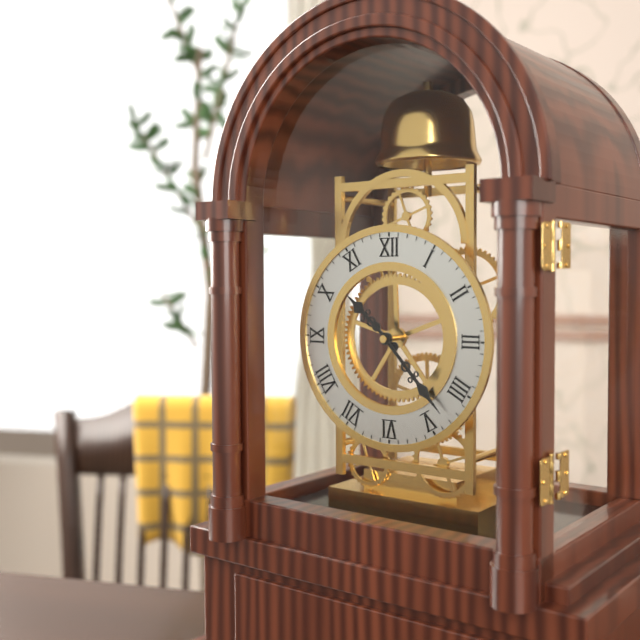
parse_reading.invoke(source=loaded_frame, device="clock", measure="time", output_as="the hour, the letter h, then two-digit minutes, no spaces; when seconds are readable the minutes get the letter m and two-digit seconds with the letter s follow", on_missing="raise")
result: 10h23
